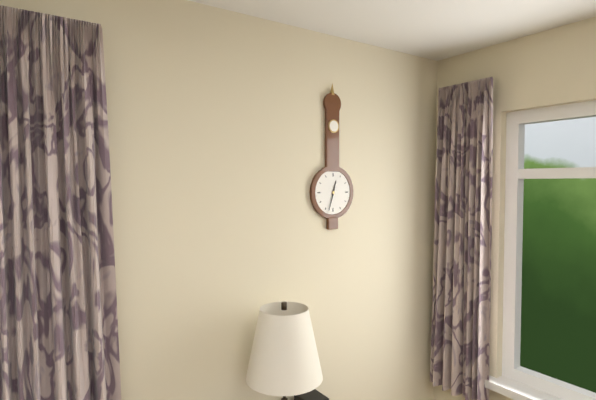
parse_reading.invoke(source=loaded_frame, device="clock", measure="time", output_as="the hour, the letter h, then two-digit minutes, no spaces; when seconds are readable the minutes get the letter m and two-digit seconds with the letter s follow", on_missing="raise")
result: 12h33
